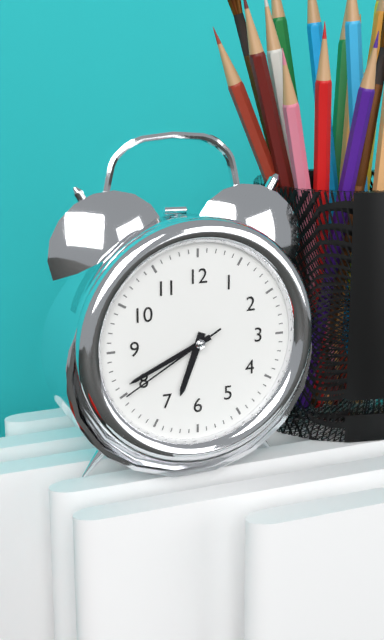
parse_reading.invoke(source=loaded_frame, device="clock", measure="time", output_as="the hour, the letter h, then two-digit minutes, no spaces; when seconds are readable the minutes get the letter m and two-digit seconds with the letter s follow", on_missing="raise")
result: 6h41m40s
